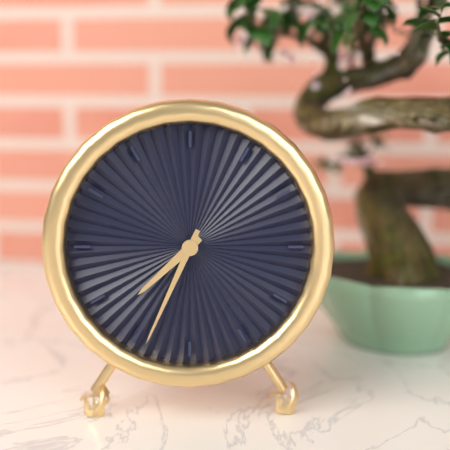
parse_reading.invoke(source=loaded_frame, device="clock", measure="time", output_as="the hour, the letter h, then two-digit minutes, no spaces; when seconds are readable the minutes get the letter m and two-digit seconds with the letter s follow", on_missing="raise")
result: 7h34
